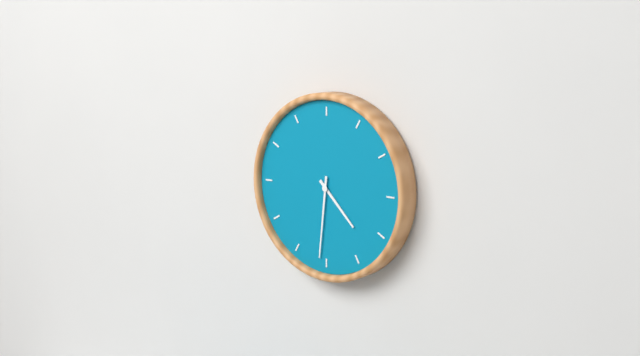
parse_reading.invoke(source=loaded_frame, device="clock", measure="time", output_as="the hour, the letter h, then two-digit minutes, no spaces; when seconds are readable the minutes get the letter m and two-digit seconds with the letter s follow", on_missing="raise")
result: 4h31
